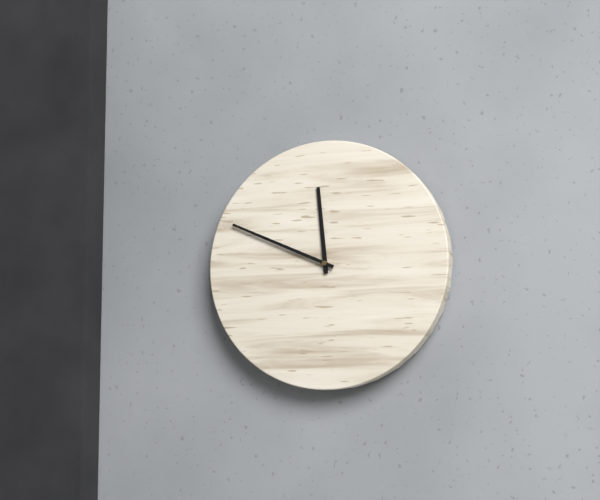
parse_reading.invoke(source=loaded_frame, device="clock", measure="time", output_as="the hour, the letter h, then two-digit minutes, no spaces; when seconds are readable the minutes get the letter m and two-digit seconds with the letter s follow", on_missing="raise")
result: 11h49
